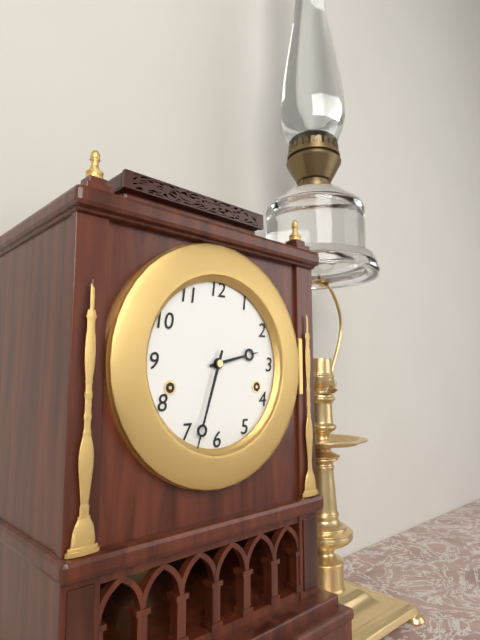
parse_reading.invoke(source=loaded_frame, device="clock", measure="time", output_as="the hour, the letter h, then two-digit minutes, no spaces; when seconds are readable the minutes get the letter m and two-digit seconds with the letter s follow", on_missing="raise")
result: 2h33
